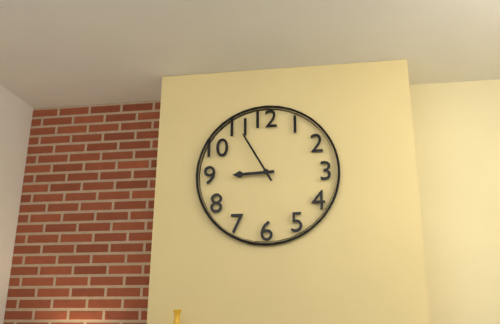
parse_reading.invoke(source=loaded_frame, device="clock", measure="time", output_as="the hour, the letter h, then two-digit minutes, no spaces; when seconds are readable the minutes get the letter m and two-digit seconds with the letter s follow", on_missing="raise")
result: 8h55
